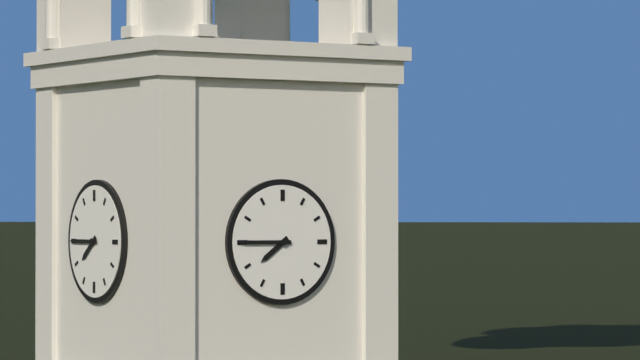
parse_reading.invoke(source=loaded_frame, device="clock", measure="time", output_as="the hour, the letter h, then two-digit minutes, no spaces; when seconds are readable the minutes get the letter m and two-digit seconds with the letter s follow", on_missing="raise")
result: 7h45
